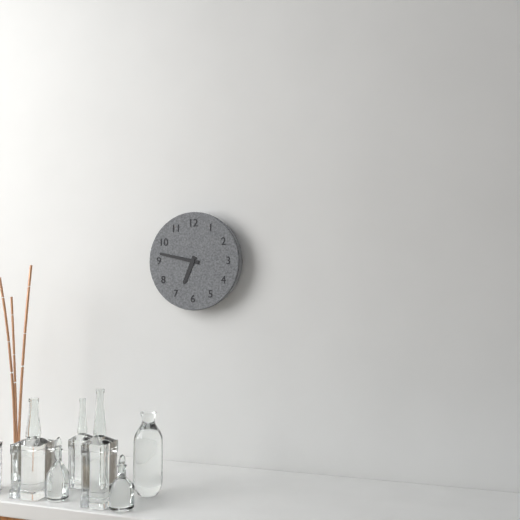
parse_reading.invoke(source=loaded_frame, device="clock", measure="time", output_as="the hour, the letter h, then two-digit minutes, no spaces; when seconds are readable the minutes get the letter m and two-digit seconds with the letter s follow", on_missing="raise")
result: 6h47
